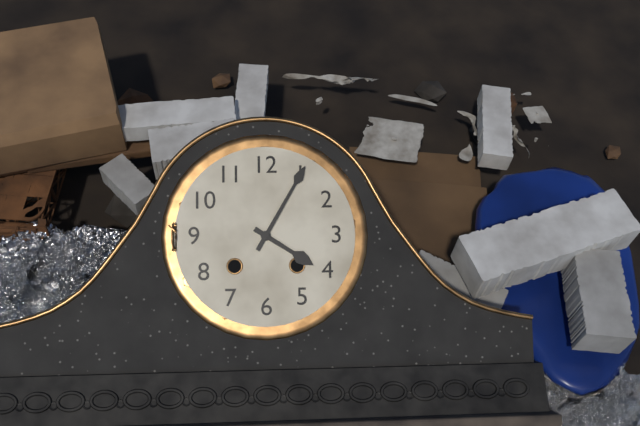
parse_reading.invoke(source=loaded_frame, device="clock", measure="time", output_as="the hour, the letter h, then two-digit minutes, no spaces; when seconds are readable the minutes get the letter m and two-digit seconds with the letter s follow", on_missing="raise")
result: 4h05
